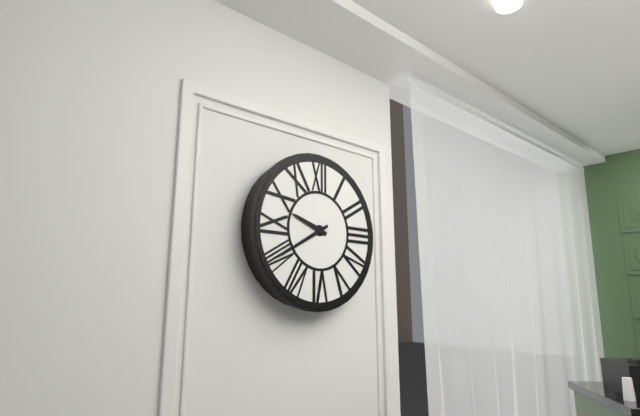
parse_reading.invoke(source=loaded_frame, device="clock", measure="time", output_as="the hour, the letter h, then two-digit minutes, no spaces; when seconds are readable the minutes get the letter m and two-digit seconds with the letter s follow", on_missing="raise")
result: 9h40
